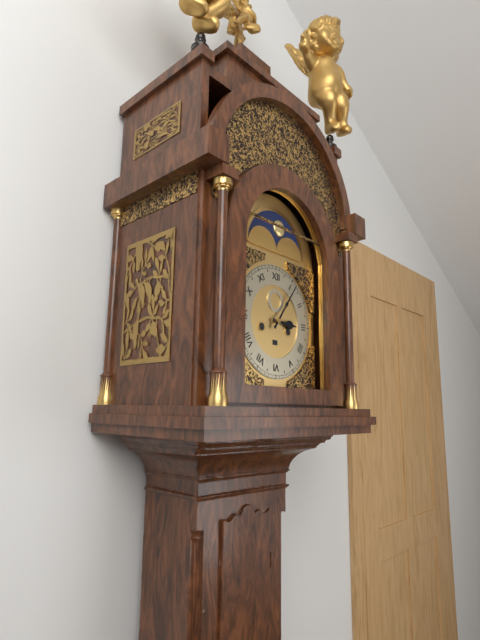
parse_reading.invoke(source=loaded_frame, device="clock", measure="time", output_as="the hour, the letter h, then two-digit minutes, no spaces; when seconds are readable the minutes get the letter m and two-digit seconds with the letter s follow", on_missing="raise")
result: 3h06
